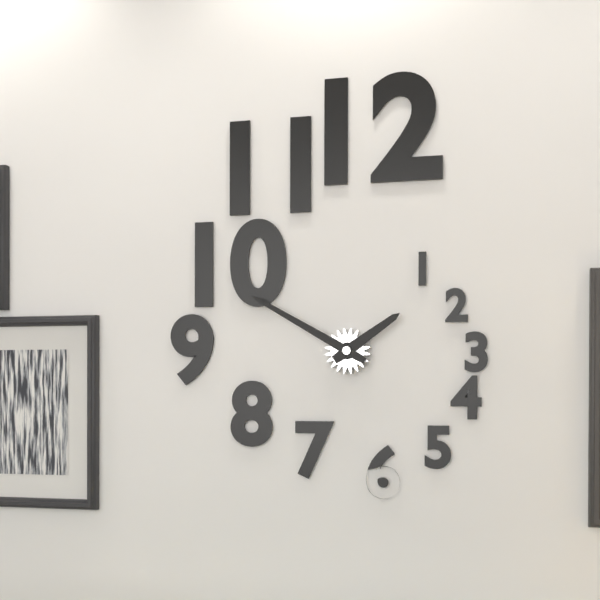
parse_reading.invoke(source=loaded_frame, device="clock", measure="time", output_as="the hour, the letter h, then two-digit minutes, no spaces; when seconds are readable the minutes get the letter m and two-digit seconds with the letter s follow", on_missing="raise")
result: 1h50
